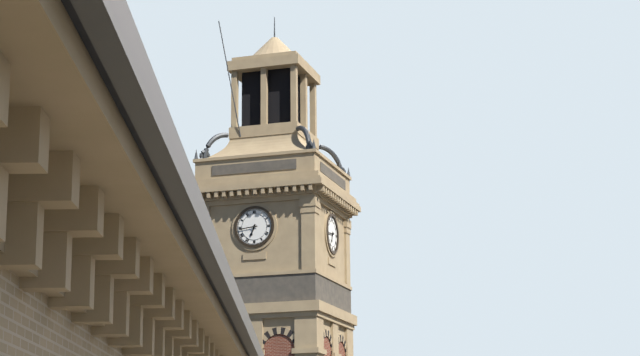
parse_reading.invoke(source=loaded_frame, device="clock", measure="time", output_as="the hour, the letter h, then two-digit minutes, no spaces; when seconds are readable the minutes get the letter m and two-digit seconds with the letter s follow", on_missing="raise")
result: 6h44
